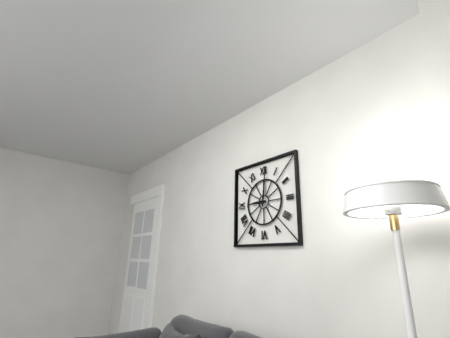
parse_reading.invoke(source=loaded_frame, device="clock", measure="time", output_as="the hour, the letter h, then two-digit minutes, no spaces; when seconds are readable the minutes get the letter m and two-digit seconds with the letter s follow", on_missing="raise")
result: 9h01
